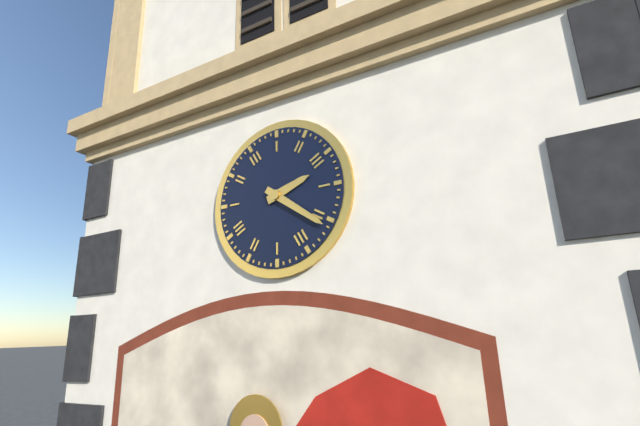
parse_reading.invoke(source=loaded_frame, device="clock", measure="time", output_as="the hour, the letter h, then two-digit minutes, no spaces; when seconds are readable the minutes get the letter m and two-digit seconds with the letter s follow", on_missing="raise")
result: 2h21
